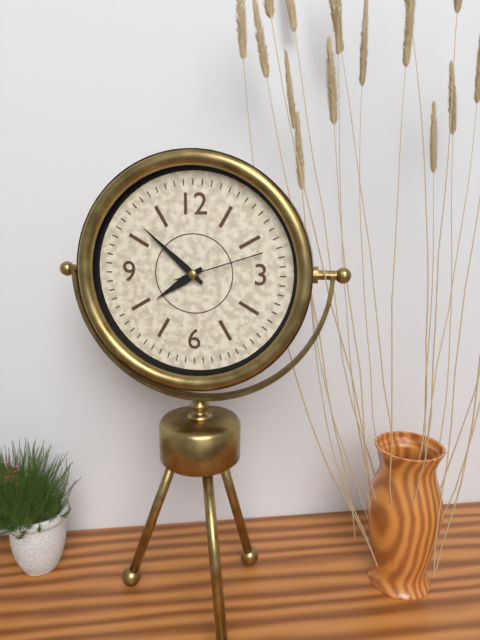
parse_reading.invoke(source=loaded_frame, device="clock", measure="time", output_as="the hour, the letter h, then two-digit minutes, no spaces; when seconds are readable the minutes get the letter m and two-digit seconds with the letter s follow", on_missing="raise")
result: 7h52m12s
